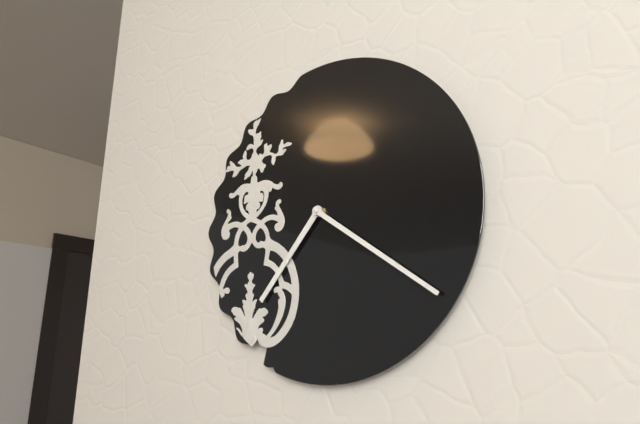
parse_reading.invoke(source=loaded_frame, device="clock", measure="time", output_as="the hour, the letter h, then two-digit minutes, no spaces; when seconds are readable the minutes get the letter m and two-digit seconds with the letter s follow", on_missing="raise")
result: 7h21
